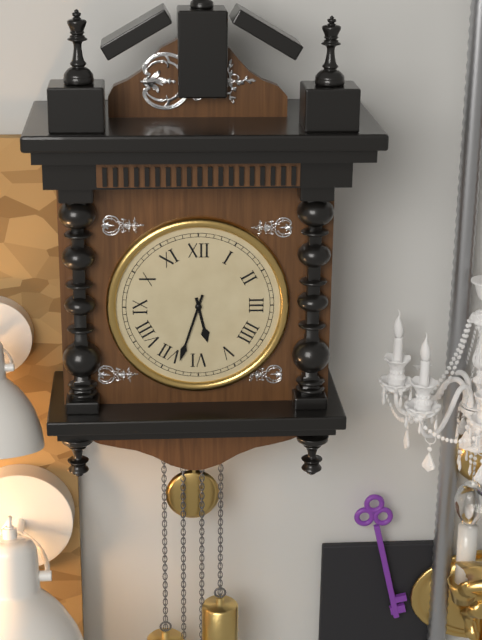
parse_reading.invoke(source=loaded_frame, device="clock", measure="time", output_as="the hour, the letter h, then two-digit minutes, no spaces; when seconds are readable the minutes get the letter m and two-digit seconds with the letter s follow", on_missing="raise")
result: 5h33
